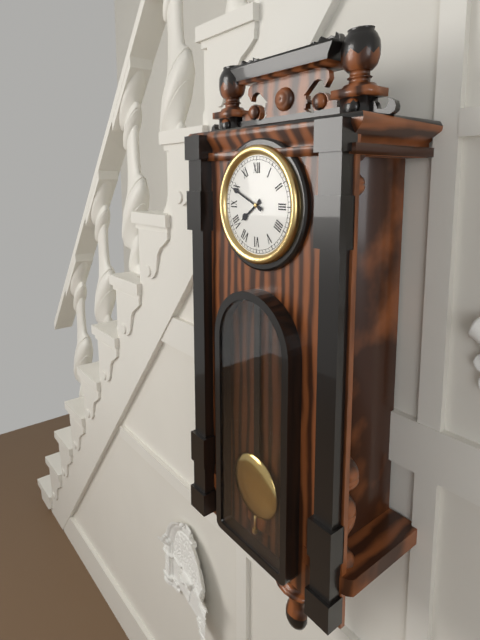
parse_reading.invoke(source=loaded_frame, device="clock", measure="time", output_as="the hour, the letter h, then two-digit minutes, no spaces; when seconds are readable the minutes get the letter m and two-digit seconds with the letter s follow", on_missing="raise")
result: 7h49
